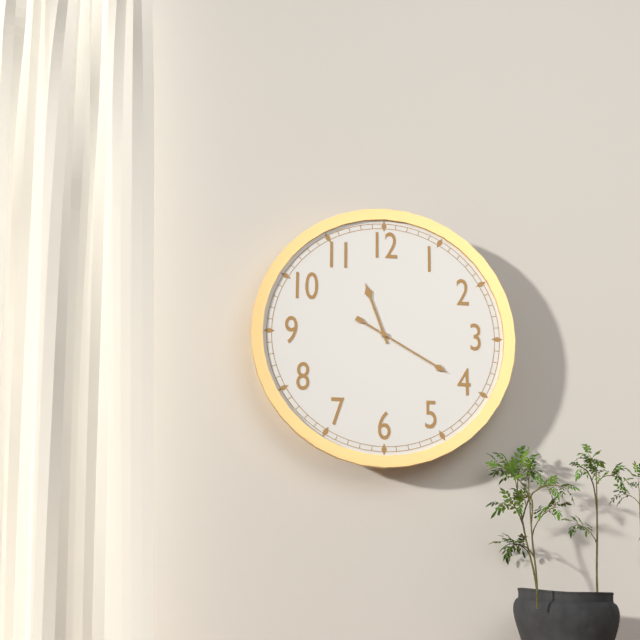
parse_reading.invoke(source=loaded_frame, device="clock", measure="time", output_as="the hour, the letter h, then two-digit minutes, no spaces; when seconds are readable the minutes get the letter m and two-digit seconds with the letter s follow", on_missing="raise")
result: 11h20
